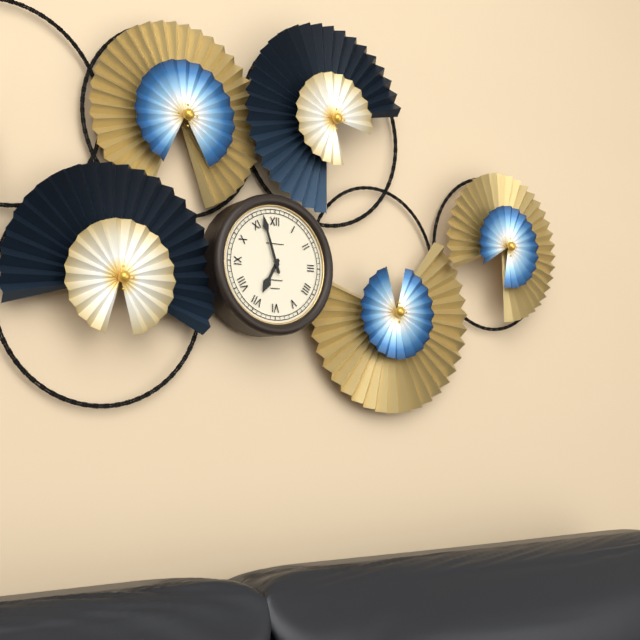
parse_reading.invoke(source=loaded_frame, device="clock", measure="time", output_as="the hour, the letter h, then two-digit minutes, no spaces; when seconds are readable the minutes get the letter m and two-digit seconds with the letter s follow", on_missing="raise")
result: 6h57
